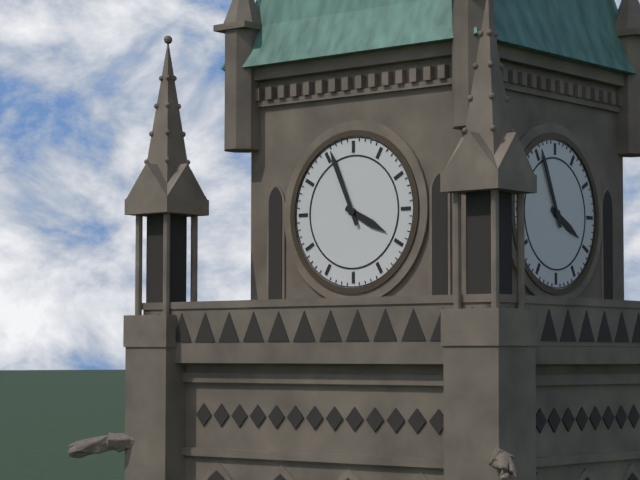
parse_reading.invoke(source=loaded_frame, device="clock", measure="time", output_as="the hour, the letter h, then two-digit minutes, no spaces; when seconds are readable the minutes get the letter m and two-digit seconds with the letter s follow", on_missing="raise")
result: 3h56
